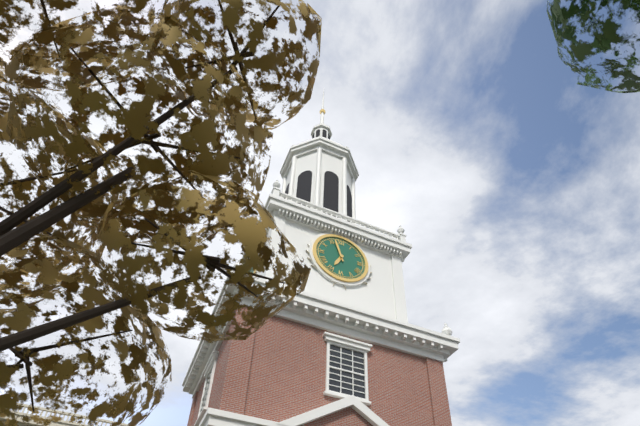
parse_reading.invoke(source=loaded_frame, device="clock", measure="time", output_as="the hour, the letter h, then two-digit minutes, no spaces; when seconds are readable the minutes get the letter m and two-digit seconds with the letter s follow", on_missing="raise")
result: 6h57
